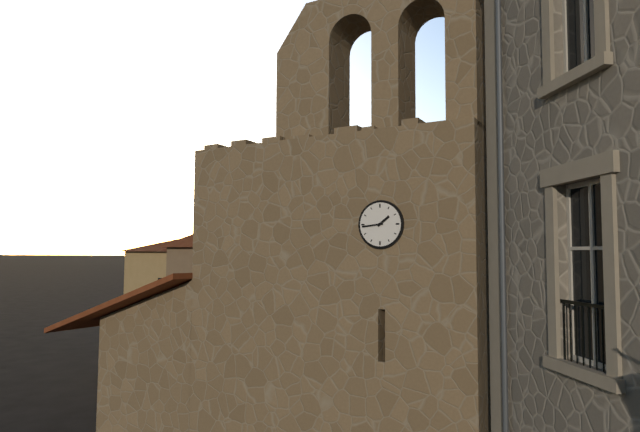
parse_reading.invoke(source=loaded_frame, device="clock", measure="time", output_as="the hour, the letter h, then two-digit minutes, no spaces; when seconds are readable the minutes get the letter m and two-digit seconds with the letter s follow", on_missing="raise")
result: 1h44
